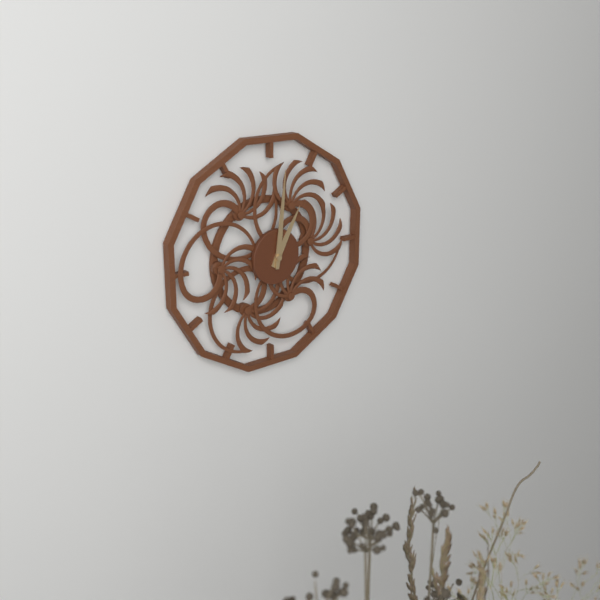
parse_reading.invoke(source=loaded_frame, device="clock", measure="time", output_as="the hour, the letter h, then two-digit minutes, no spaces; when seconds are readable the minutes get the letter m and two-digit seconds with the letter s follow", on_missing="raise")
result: 1h01
